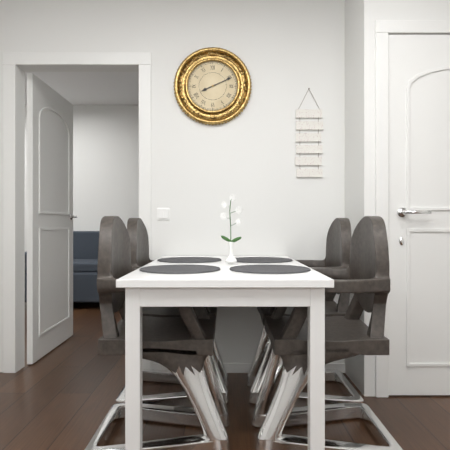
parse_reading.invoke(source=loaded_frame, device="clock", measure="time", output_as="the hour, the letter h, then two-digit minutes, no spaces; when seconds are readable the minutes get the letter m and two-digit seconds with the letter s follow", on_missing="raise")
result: 8h11
